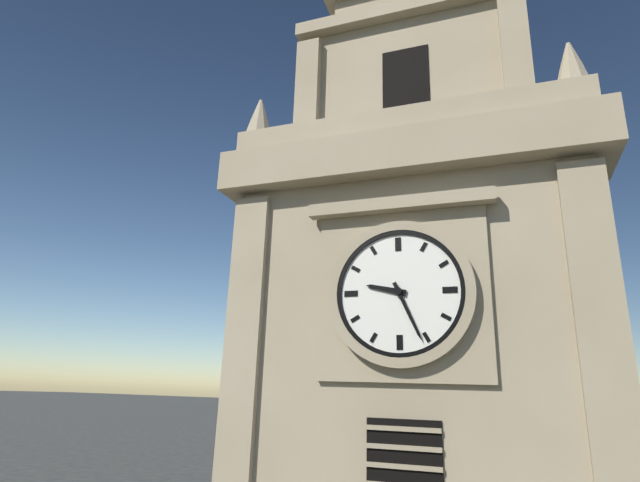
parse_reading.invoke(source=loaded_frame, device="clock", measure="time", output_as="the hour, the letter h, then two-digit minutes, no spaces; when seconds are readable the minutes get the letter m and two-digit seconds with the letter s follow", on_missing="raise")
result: 9h26
